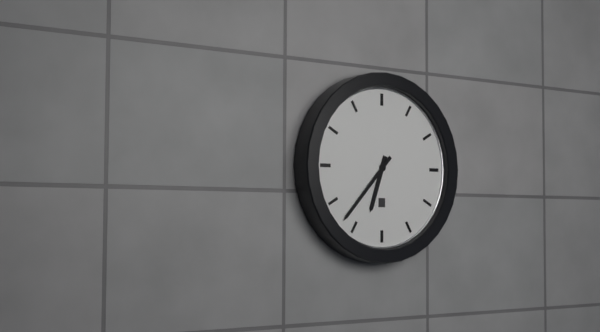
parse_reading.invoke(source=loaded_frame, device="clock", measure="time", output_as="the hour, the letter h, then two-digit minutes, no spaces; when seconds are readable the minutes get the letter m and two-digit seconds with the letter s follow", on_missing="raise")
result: 6h37
